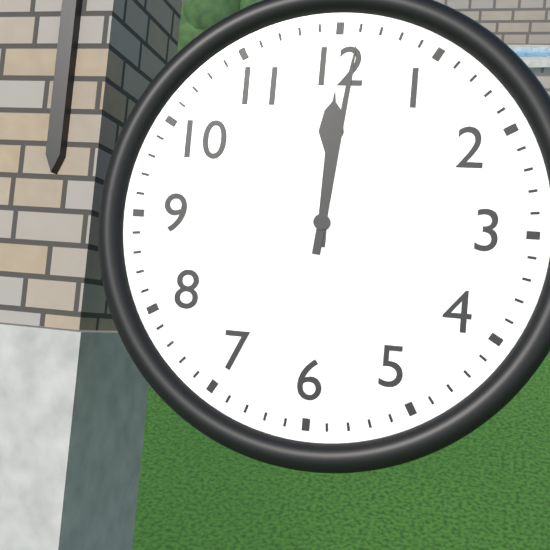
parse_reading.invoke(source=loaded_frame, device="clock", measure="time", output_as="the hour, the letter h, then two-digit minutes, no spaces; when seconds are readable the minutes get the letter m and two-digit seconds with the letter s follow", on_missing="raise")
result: 12h01
